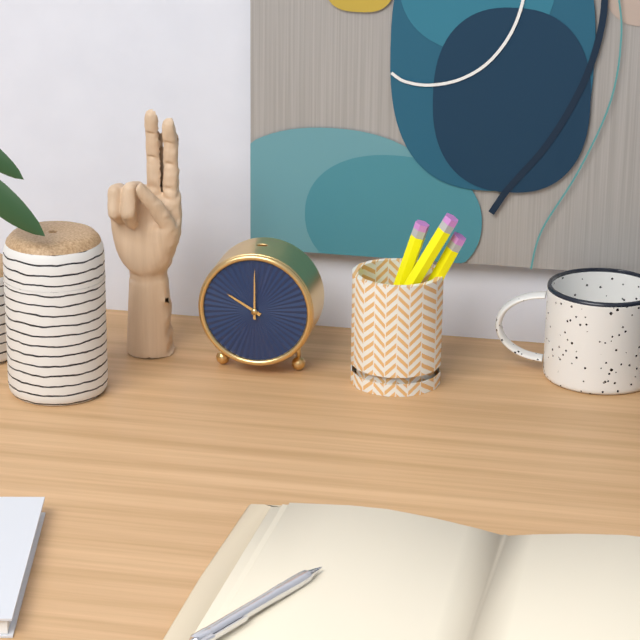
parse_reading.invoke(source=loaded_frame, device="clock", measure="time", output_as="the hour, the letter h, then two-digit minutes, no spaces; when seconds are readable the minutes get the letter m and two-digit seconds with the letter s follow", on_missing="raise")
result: 10h00
